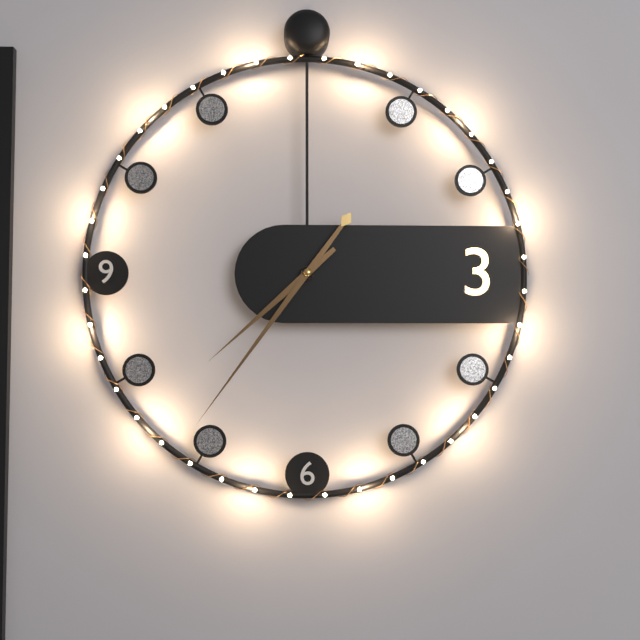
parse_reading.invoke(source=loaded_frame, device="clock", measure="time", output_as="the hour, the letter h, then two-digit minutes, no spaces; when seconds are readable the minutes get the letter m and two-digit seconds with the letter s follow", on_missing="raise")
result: 7h36
